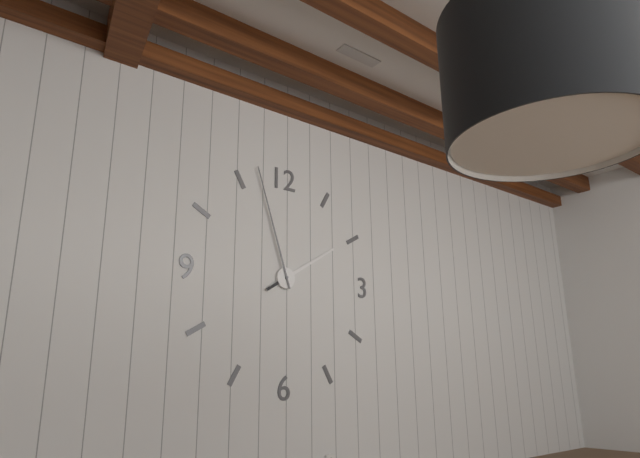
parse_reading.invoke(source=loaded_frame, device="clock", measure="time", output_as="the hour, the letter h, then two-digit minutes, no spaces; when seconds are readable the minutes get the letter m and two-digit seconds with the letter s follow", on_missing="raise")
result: 1h57
